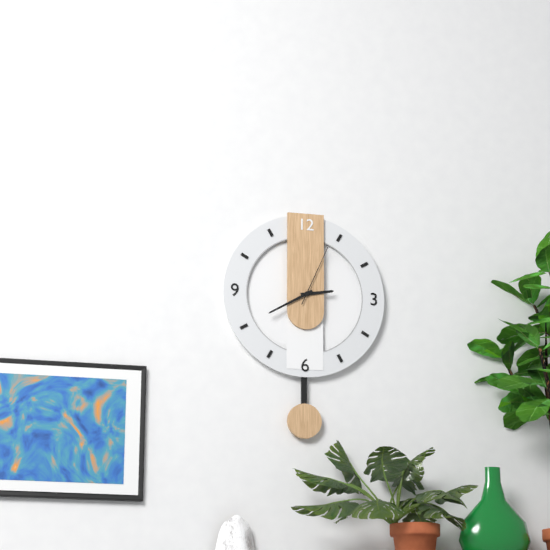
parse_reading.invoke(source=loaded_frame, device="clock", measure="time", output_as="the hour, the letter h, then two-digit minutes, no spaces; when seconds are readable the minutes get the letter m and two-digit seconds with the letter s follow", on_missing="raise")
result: 2h40m04s
